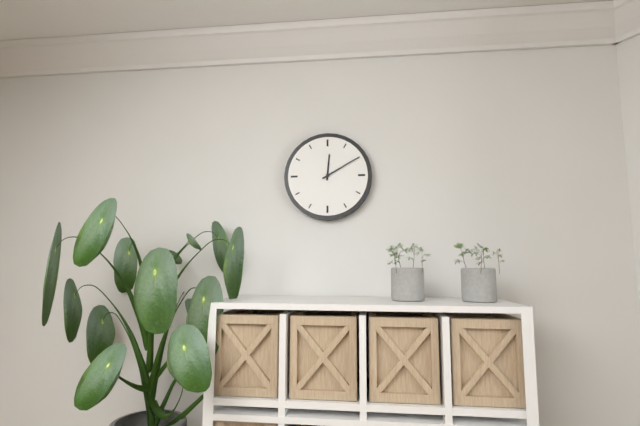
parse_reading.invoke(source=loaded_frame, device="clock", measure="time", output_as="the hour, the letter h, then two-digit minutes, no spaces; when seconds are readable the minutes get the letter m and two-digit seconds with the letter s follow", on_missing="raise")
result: 12h10
